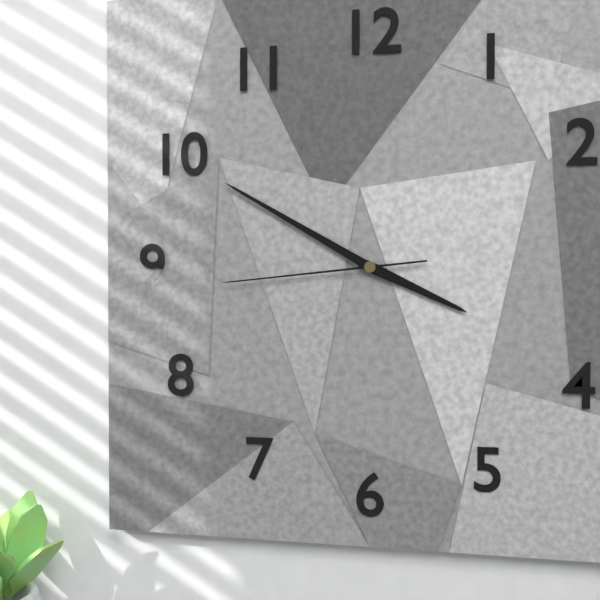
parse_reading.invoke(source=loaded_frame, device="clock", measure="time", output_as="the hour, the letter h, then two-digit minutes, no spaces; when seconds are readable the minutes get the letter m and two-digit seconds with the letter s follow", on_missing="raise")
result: 3h50m44s
